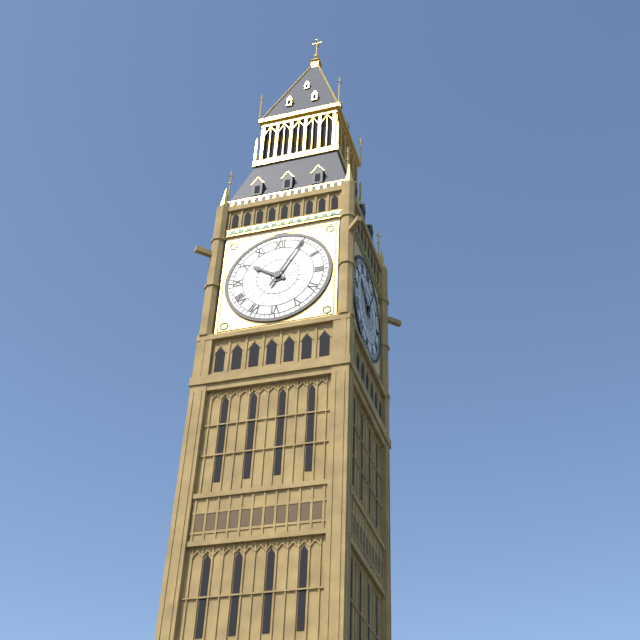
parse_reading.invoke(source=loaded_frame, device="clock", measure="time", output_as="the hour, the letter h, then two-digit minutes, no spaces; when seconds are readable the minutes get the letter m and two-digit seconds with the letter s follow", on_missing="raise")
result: 10h05
